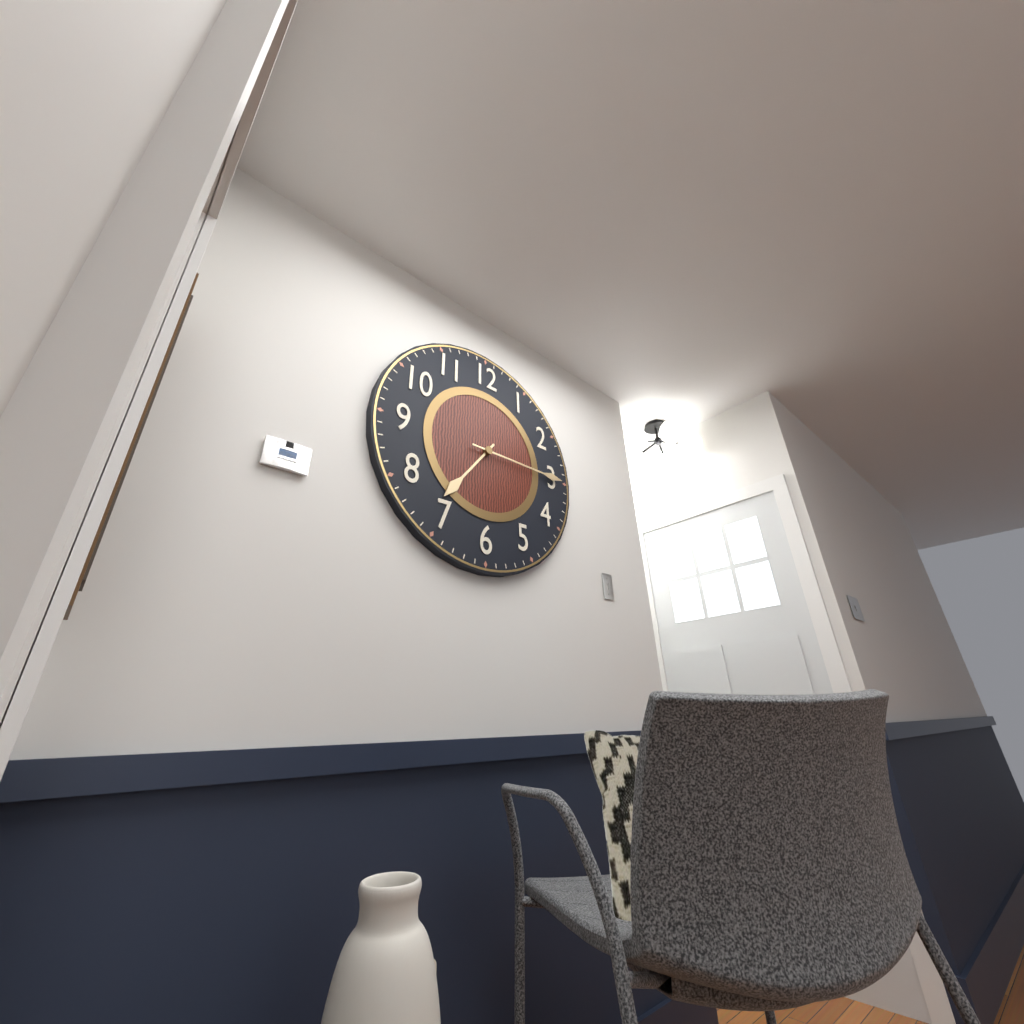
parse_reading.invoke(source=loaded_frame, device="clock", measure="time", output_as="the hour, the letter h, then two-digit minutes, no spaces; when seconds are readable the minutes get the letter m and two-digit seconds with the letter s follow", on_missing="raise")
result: 7h15
